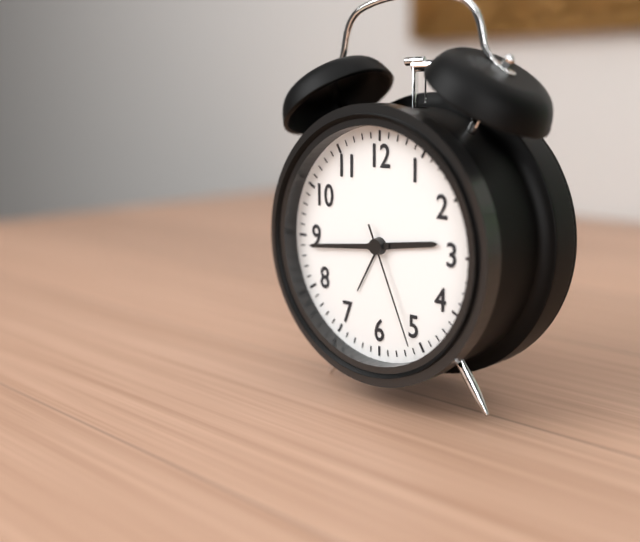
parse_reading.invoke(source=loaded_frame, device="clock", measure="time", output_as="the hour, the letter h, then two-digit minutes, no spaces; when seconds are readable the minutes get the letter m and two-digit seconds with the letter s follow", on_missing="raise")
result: 2h44m26s
